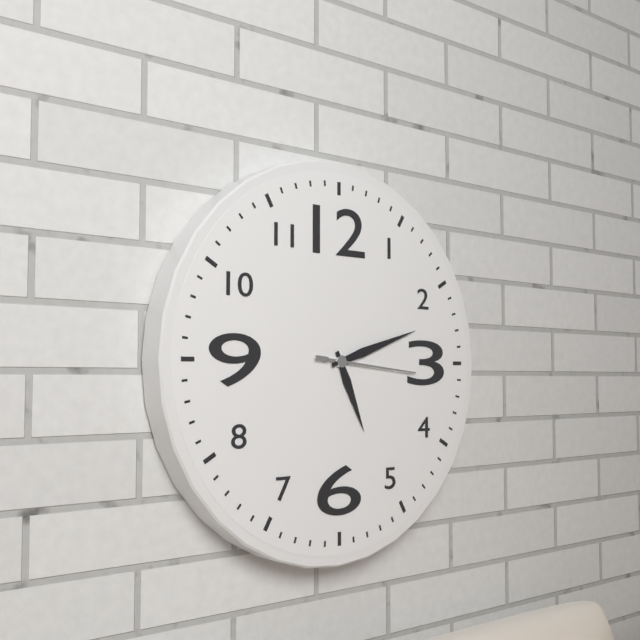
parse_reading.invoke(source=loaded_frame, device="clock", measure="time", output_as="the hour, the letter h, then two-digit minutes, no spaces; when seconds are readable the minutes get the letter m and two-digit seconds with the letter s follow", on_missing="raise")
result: 5h12m16s
